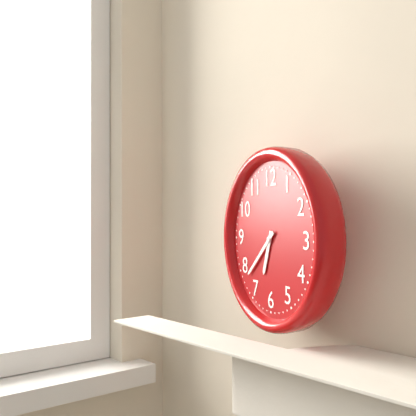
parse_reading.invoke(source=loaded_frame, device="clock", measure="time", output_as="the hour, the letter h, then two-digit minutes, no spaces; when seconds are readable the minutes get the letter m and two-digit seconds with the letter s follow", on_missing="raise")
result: 6h38
